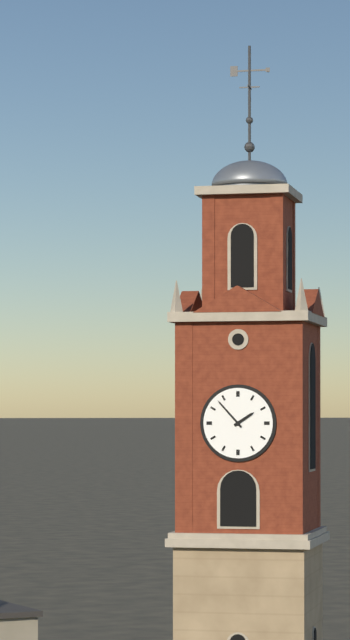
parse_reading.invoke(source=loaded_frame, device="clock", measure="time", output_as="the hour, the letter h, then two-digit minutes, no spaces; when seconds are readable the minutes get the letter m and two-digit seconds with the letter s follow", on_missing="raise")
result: 1h53
